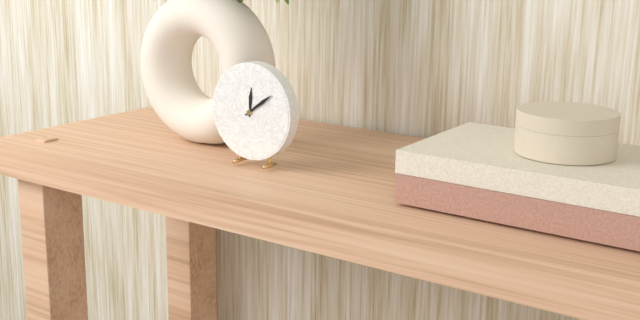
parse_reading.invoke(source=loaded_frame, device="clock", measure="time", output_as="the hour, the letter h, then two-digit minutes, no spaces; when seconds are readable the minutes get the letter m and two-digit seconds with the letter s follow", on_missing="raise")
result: 12h09
